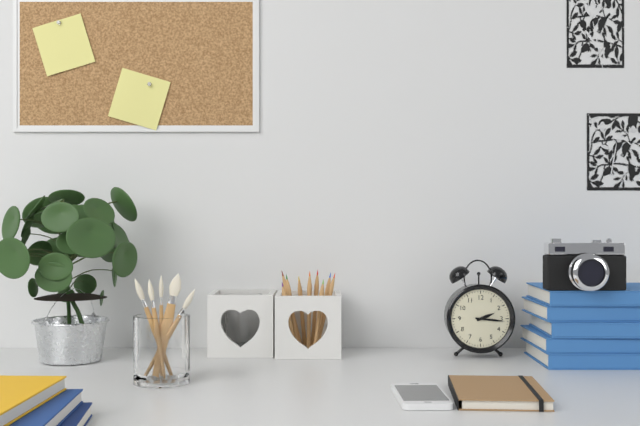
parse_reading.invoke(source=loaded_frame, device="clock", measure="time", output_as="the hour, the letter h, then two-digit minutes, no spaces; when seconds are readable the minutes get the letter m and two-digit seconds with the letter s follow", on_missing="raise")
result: 2h16
